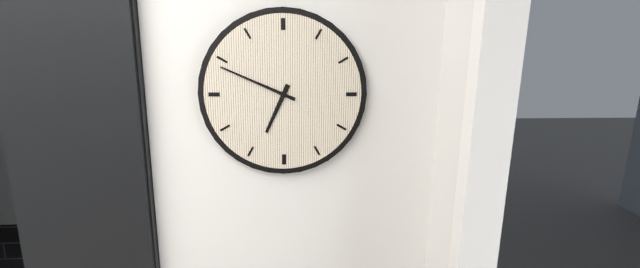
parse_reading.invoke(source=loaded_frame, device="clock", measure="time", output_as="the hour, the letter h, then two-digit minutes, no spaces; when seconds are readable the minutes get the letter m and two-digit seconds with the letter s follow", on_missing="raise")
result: 6h49
